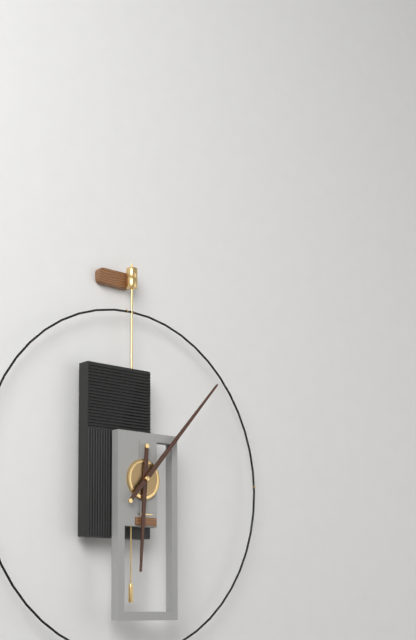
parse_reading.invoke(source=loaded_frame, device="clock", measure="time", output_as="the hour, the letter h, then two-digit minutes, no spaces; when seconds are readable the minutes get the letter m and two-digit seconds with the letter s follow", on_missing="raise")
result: 6h07
